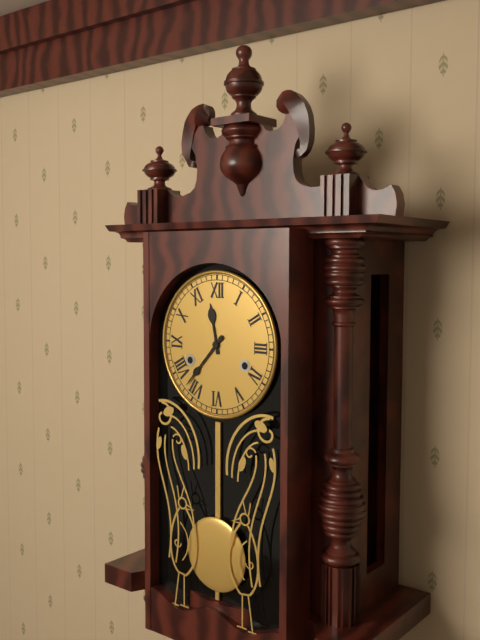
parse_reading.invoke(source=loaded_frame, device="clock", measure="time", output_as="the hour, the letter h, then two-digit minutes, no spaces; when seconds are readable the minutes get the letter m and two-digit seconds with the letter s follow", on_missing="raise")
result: 11h37
